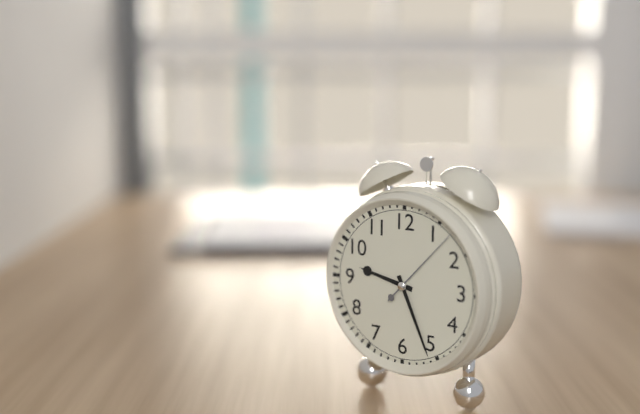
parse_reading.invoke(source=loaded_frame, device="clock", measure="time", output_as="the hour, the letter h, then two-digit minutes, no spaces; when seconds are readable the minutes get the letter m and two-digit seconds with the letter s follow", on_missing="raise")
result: 9h26m07s
